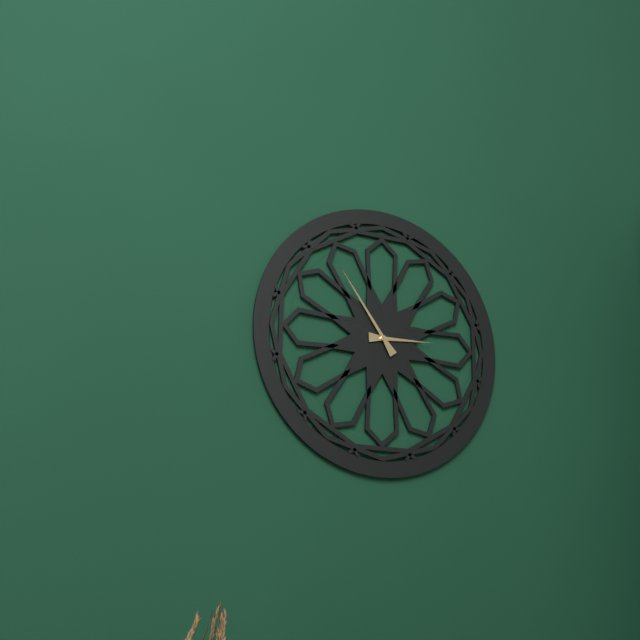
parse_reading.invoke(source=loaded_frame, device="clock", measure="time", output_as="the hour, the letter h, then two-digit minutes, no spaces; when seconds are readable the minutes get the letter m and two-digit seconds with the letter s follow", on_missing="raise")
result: 2h54
